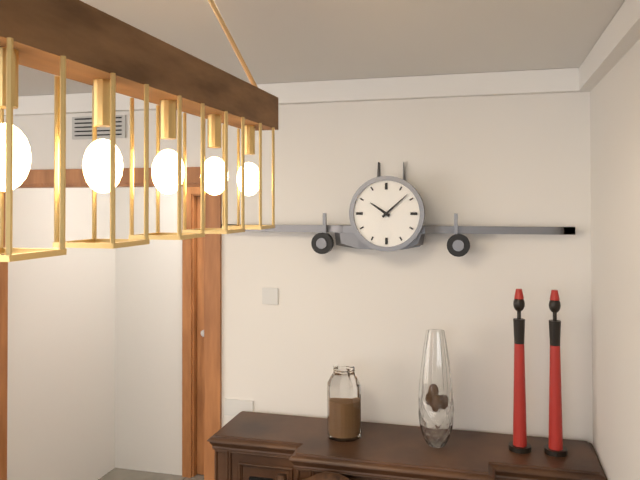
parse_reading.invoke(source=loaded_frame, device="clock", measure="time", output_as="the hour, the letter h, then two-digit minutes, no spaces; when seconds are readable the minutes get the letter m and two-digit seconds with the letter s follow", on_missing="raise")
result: 10h08
